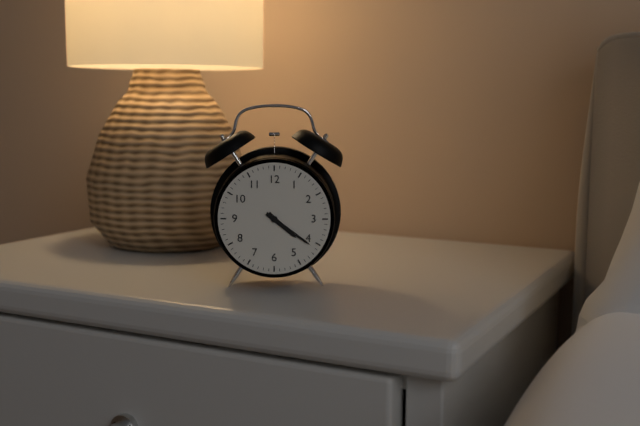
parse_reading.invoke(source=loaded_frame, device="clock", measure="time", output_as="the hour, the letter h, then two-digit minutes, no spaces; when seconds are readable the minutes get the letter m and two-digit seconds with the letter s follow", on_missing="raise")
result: 4h21
